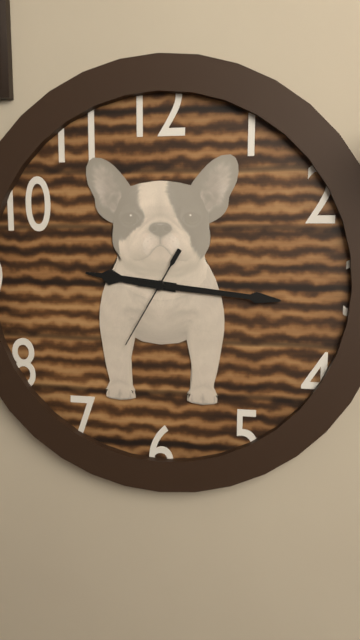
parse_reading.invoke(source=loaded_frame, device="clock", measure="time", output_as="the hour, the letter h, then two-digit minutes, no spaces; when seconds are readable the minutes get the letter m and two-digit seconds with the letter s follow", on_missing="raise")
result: 9h16m35s
